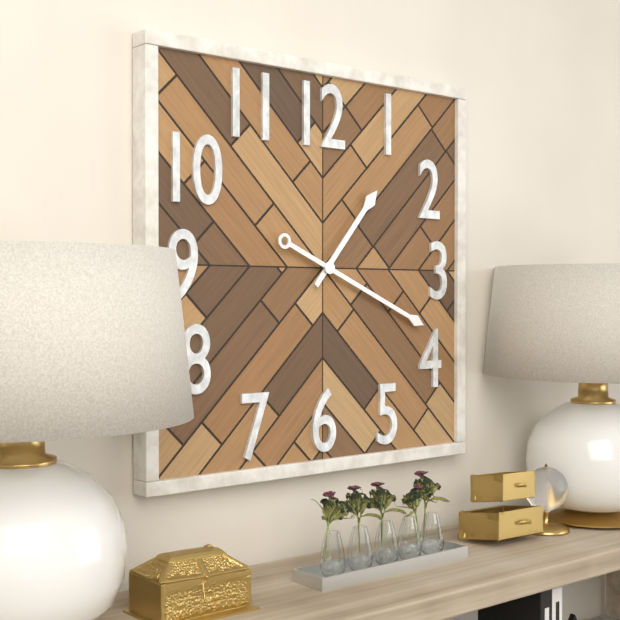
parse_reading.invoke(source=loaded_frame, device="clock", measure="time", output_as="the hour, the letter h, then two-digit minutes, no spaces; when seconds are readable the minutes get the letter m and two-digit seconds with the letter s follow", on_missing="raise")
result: 1h19
